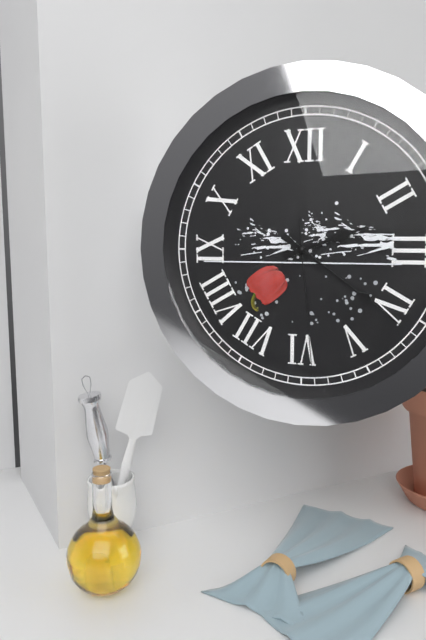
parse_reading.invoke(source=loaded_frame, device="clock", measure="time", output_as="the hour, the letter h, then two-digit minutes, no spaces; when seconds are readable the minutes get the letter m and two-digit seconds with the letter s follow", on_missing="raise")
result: 2h21m29s
